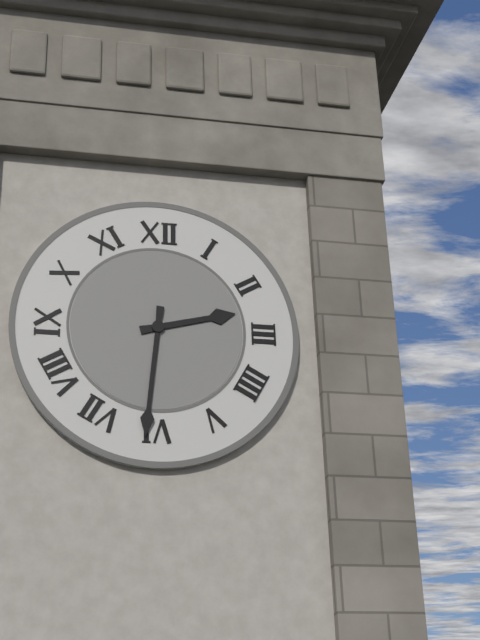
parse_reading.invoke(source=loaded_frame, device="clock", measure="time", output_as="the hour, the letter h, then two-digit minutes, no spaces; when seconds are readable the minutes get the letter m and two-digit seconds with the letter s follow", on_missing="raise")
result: 2h31
